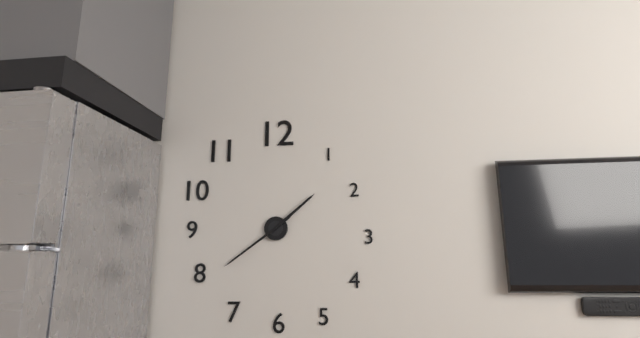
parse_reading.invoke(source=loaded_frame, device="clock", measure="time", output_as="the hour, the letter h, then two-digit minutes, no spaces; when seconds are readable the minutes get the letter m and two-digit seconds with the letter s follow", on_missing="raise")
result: 1h39
